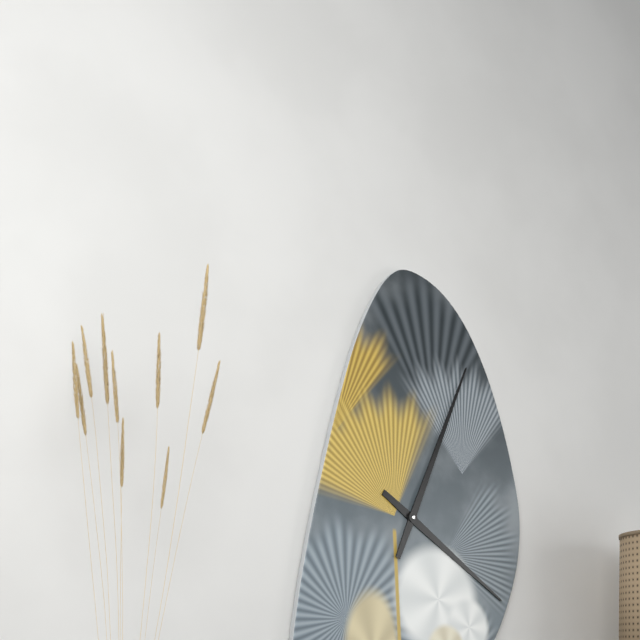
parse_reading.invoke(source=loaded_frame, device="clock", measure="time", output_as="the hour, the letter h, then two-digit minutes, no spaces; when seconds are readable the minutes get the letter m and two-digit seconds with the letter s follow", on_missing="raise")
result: 4h04
